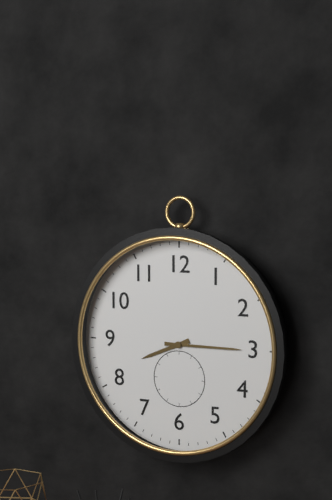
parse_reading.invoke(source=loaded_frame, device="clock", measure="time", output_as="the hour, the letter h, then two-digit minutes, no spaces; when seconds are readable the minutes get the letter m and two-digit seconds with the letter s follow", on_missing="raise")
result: 8h15
